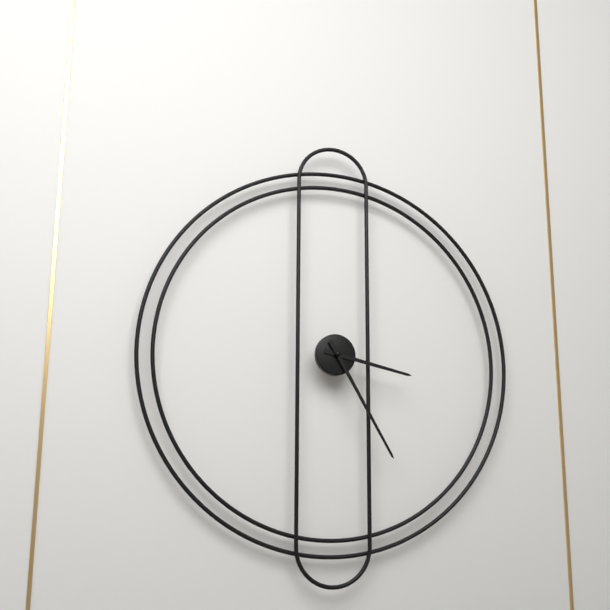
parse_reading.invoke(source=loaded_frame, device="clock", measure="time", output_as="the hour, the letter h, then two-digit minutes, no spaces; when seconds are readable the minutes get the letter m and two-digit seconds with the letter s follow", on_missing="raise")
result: 3h25
